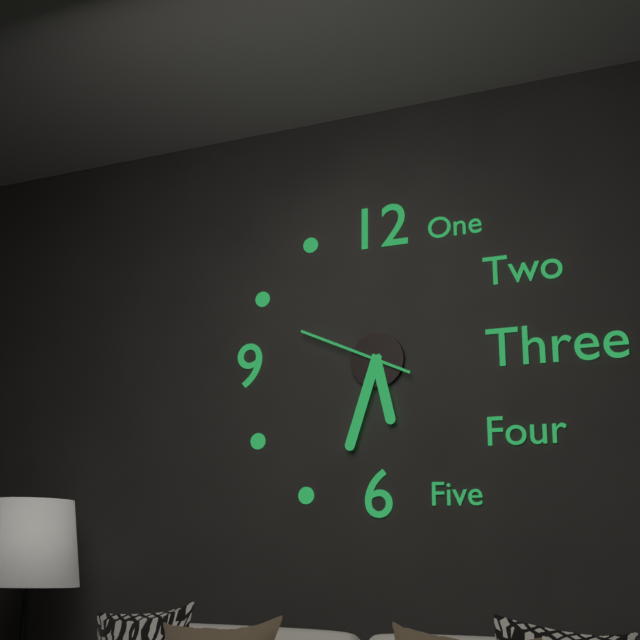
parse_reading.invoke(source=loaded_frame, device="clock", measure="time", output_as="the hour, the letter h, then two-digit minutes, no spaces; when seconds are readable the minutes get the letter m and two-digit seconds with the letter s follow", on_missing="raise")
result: 5h33m49s
